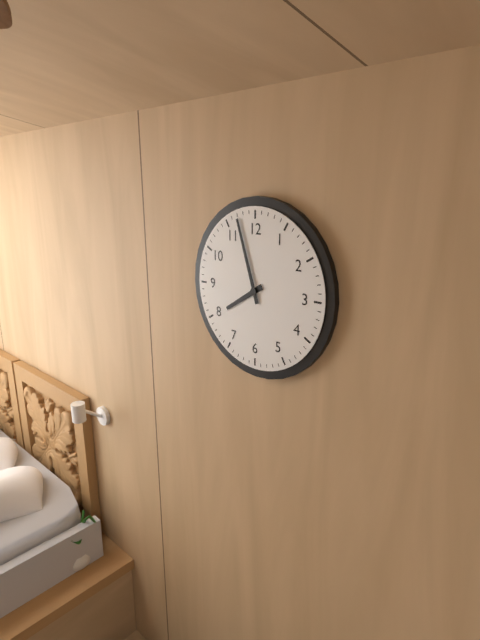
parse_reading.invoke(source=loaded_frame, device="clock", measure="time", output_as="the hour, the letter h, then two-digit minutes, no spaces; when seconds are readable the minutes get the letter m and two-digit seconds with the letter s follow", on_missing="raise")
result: 7h57
